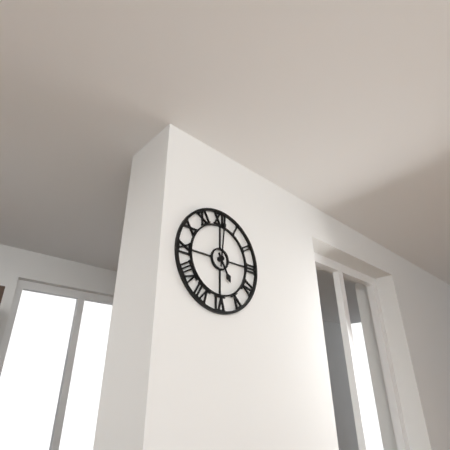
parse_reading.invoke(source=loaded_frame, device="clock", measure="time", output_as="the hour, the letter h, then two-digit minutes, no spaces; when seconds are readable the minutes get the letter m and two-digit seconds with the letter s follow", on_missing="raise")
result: 5h01
